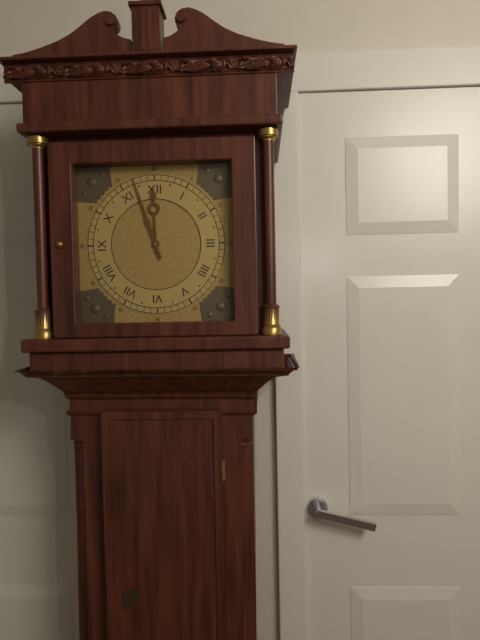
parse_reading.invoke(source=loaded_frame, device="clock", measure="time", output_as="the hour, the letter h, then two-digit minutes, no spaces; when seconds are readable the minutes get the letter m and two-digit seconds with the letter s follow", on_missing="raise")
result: 11h57
